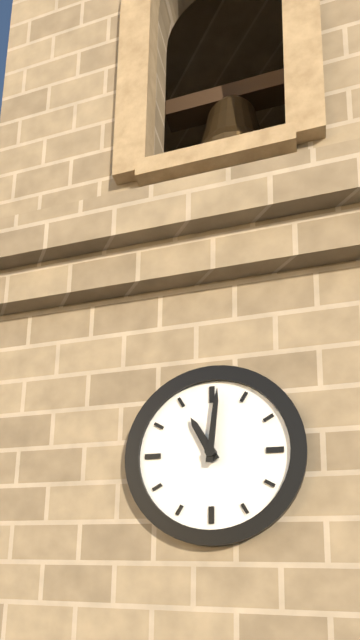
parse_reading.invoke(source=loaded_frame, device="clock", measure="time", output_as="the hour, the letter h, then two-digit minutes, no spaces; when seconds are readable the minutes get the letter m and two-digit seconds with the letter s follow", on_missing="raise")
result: 11h01
